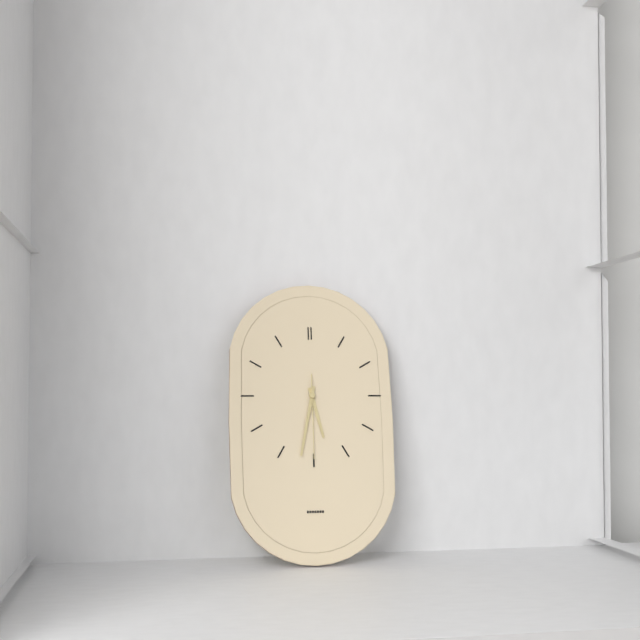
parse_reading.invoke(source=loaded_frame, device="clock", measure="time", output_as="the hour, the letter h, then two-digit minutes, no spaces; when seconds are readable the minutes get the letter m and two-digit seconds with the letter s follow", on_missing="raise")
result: 5h32m30s
